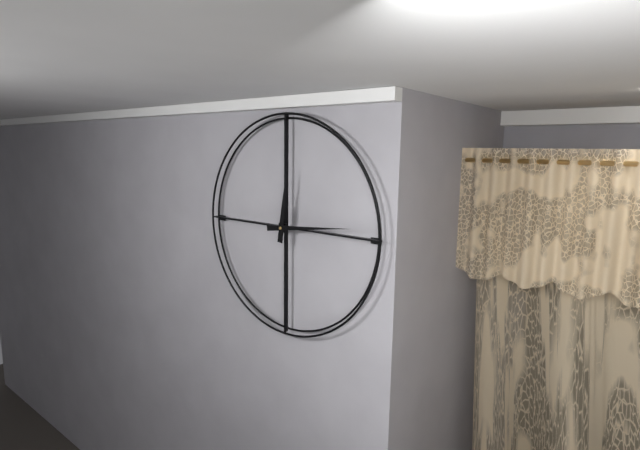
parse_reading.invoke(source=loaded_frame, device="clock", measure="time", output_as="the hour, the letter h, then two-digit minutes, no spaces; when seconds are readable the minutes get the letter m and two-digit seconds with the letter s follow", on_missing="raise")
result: 12h14
